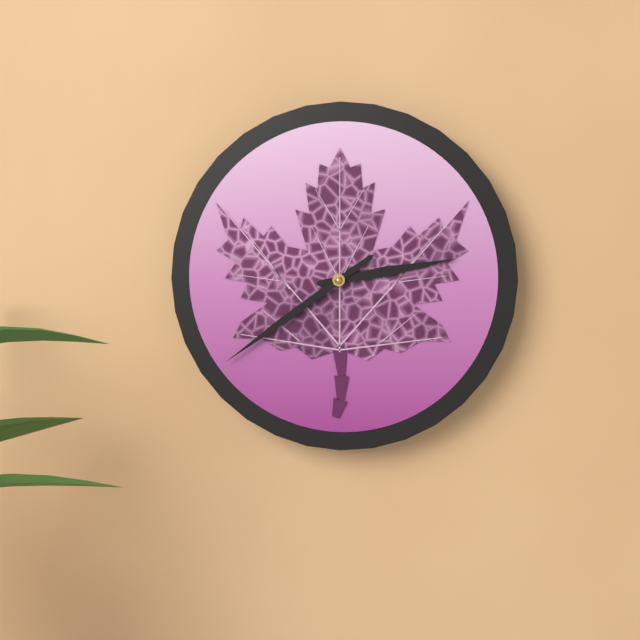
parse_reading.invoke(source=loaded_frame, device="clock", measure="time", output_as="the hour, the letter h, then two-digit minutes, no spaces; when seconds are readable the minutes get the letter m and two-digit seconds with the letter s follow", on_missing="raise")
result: 2h39
